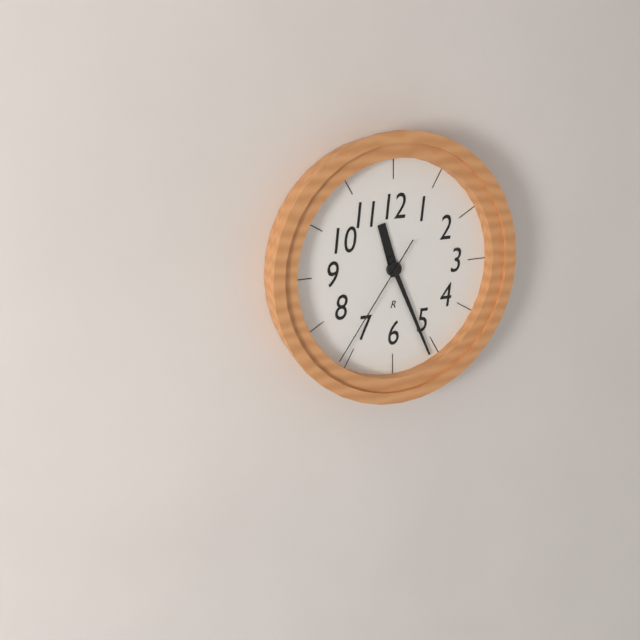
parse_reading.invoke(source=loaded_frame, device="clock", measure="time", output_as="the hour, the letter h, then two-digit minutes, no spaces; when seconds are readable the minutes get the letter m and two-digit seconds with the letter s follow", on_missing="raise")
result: 11h26m36s
